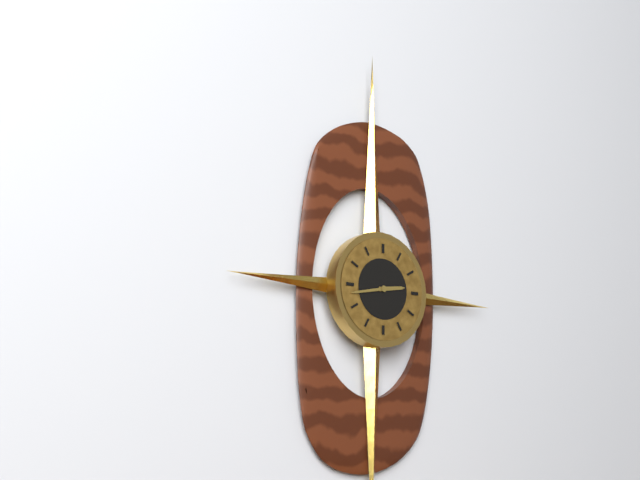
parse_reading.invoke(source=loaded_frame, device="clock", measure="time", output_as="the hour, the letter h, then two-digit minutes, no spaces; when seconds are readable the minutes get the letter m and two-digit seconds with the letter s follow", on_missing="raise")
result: 2h43
